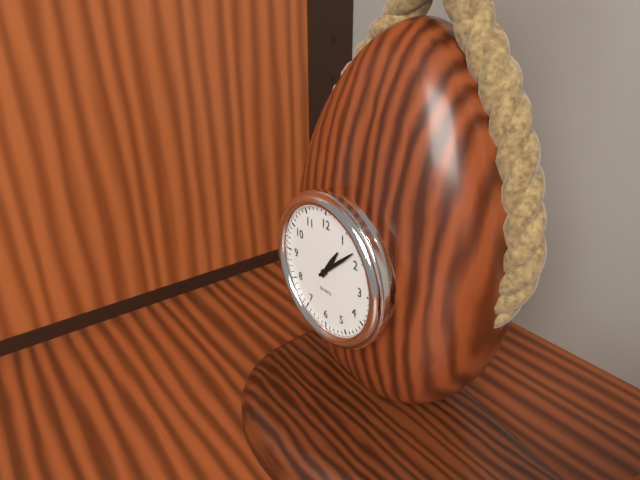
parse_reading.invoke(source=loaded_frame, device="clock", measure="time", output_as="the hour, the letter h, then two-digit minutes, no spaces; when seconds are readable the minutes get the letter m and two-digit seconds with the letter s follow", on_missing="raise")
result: 1h08
